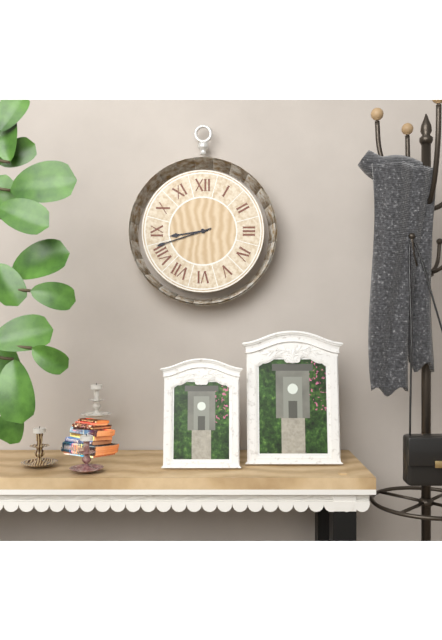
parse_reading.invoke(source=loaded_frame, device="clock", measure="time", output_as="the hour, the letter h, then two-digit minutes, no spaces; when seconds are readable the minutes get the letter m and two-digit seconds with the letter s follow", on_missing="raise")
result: 8h42
